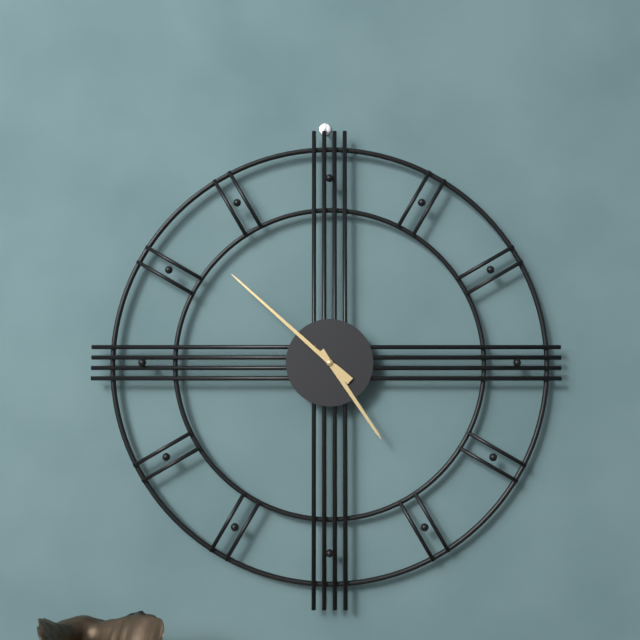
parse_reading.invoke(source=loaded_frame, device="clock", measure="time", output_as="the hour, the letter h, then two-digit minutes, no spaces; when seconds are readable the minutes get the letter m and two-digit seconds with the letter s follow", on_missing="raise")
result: 4h52
